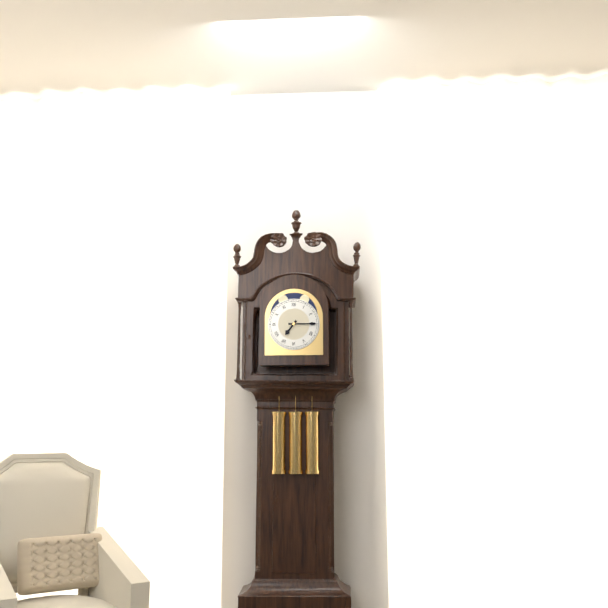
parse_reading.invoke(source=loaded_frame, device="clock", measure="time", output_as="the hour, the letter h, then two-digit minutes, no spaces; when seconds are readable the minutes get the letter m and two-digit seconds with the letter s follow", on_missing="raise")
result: 7h15
